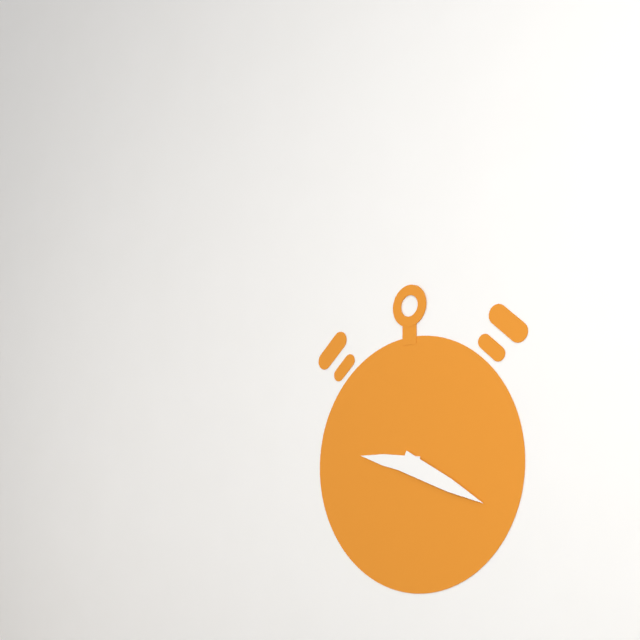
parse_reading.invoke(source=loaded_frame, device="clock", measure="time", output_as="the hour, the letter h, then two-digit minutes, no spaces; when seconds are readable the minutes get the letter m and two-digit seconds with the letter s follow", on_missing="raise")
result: 9h19
